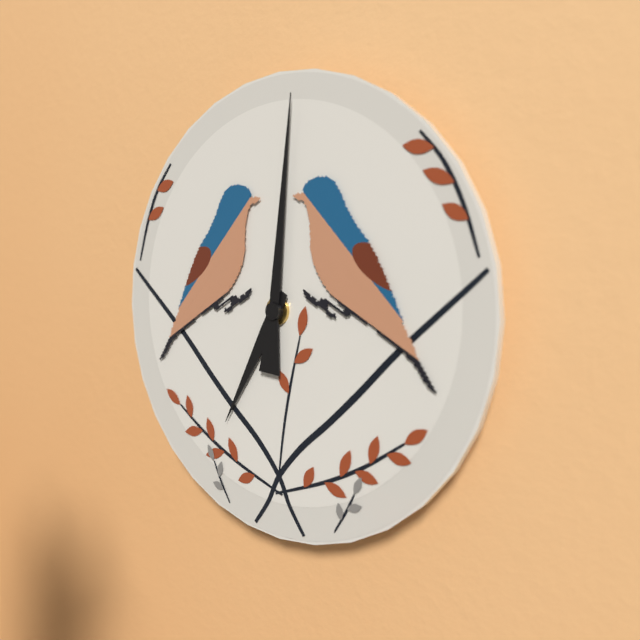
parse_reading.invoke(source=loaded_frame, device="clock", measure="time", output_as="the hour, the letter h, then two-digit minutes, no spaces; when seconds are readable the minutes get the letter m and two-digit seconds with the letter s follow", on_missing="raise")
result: 7h01
